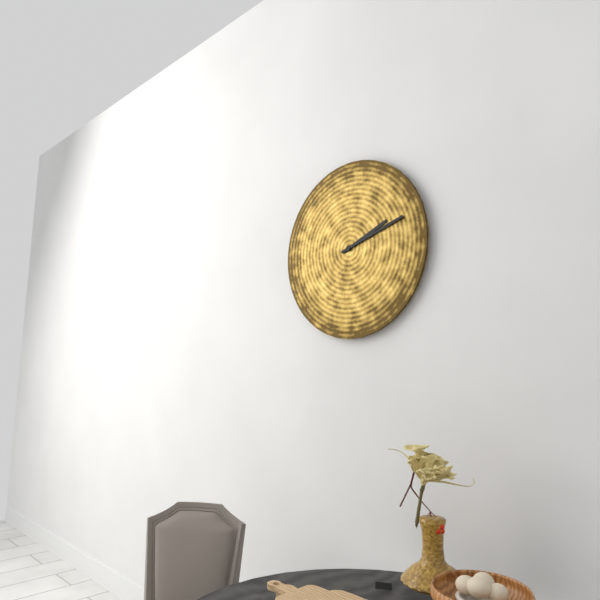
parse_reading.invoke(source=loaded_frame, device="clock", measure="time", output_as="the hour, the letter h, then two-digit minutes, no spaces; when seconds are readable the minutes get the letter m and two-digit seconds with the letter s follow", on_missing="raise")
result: 2h12
